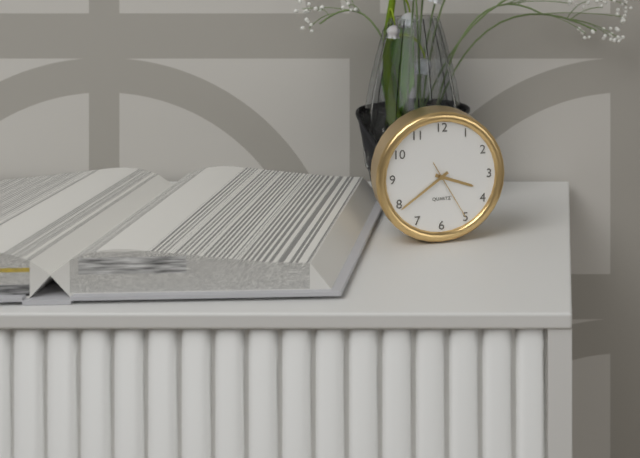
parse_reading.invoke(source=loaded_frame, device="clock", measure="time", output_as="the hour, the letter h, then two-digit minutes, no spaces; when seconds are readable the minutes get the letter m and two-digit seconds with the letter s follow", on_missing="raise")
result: 3h39m25s
